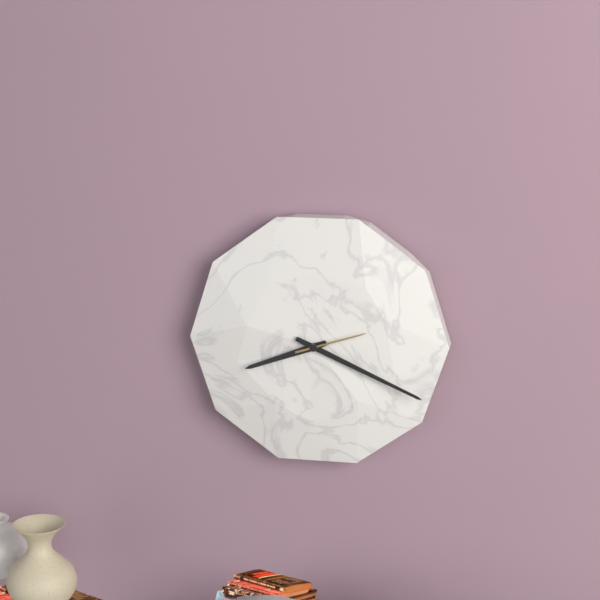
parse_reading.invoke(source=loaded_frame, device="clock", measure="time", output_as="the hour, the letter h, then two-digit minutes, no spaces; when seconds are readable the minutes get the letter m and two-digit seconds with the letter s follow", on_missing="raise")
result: 8h19m12s
